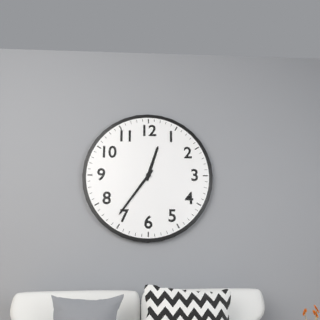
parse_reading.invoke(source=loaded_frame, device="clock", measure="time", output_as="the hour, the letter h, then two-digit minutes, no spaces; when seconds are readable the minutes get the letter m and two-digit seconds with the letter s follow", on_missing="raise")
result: 12h36
